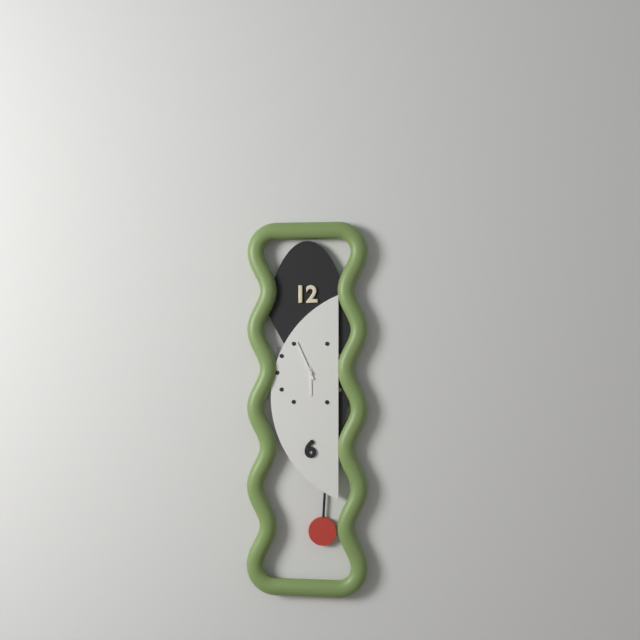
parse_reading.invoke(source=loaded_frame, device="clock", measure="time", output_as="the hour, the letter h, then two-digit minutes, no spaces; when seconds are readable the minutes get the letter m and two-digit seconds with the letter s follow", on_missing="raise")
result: 5h56
